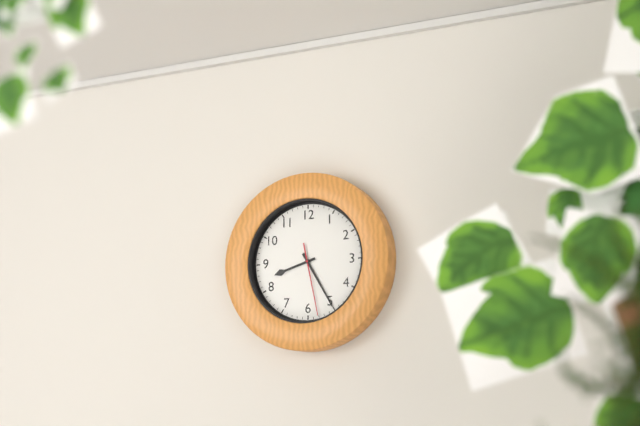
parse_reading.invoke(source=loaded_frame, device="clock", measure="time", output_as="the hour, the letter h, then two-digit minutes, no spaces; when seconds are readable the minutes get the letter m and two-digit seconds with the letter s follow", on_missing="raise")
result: 8h25m28s
